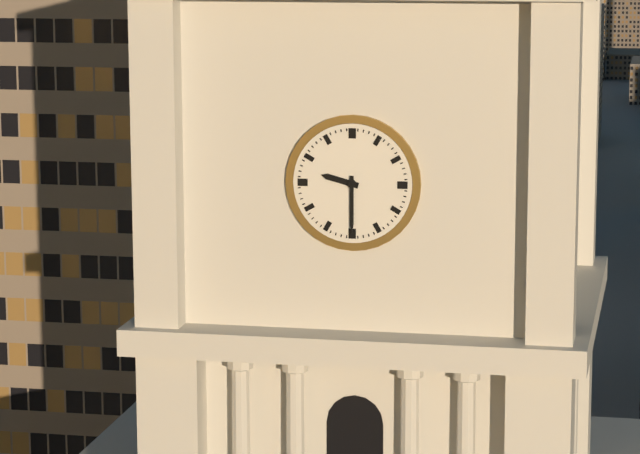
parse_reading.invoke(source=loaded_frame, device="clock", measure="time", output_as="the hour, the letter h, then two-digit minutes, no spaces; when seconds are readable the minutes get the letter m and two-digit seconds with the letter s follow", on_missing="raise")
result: 9h30
